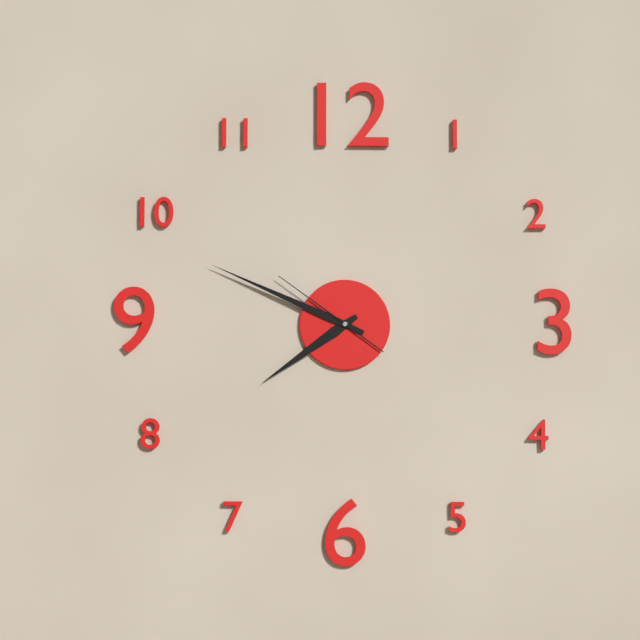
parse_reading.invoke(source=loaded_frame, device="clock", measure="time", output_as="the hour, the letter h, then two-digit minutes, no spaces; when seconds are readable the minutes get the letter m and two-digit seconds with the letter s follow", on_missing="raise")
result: 7h49m51s
